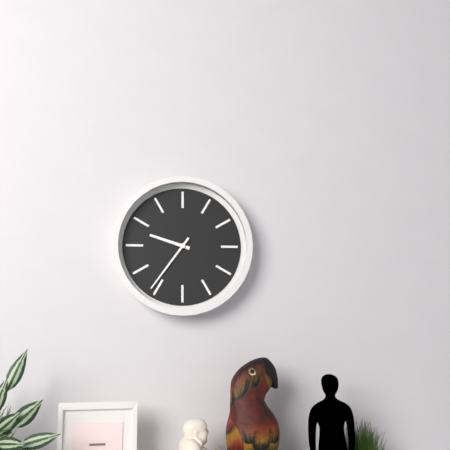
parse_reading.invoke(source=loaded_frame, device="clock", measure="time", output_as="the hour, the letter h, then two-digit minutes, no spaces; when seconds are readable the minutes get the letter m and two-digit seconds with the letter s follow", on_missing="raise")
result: 9h36
